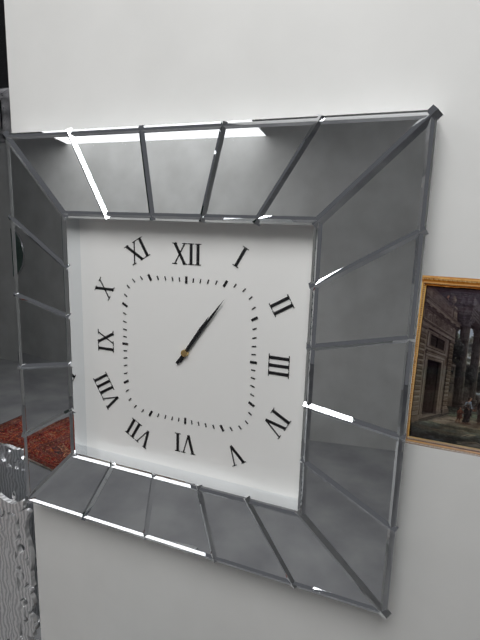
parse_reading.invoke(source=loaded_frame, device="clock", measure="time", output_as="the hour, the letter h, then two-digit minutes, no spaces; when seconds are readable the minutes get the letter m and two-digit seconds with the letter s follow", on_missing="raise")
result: 1h06
